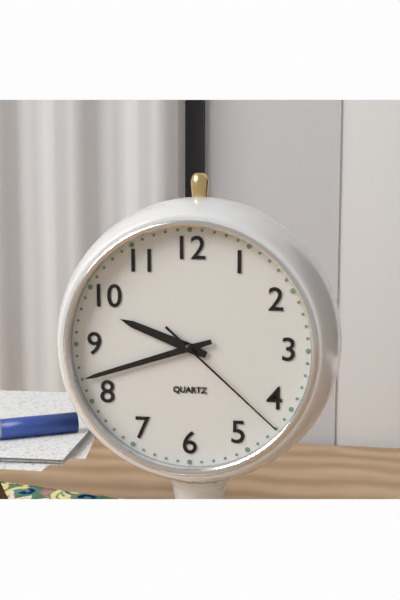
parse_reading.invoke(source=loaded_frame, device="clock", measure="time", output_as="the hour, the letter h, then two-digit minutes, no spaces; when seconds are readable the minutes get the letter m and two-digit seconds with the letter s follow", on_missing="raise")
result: 9h42m22s
